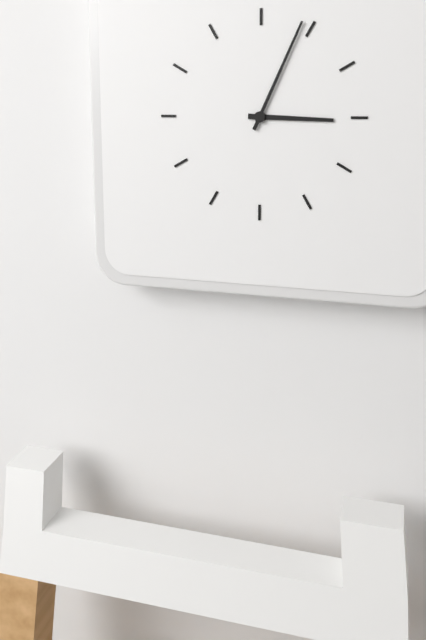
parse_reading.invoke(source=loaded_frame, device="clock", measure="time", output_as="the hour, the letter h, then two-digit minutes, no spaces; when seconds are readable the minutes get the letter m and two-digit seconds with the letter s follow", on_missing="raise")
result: 3h04
